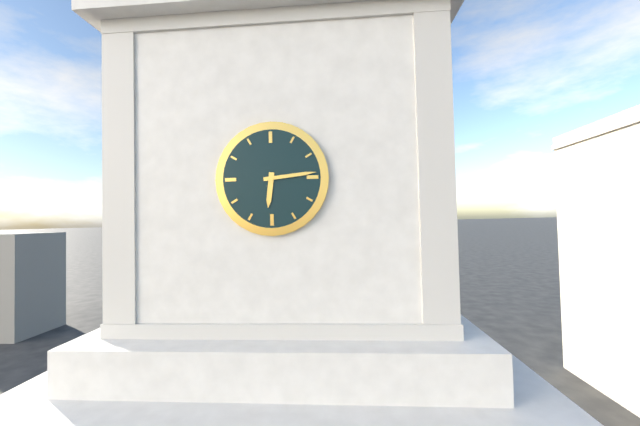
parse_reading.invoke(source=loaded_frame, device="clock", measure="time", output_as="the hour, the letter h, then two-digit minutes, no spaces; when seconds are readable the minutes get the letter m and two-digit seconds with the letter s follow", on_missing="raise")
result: 6h14
